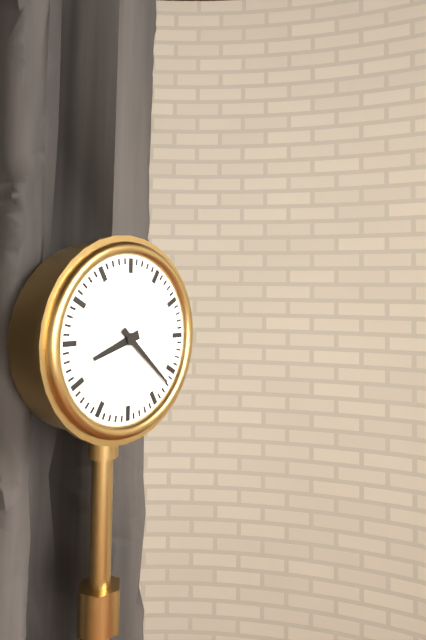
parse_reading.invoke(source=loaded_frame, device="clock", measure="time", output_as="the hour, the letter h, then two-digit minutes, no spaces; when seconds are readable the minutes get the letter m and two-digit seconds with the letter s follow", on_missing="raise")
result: 8h22
